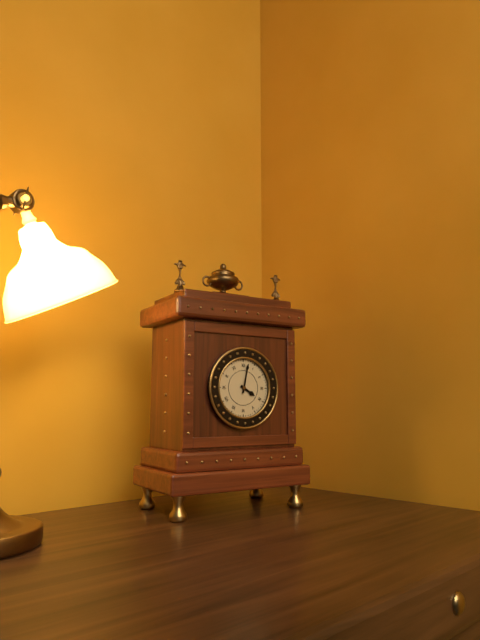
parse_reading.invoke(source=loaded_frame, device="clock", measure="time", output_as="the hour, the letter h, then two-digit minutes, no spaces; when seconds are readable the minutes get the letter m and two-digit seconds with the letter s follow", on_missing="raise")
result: 4h02
